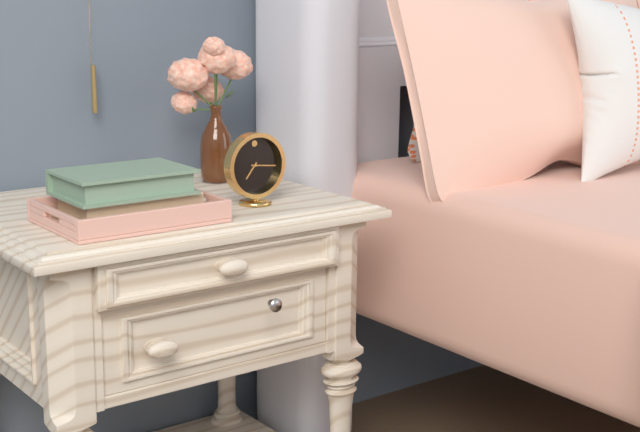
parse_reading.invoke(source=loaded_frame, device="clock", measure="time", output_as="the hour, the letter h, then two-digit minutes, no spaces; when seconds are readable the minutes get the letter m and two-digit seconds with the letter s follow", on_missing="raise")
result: 7h16
